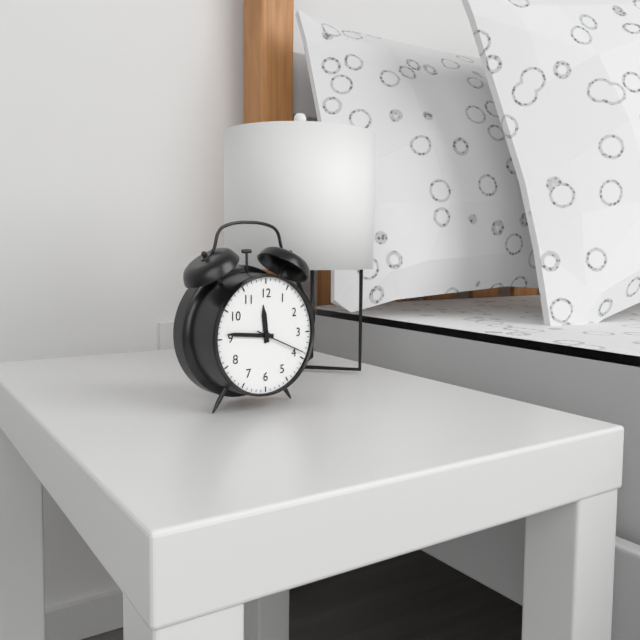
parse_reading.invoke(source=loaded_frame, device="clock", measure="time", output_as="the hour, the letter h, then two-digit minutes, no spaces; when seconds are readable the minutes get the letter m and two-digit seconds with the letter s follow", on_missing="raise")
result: 11h46
